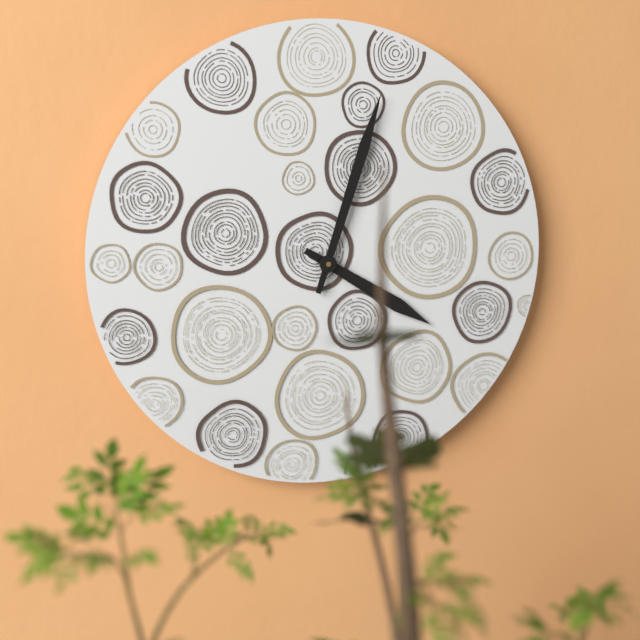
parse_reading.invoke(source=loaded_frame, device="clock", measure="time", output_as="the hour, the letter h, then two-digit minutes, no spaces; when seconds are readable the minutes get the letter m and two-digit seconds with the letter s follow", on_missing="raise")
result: 4h03
